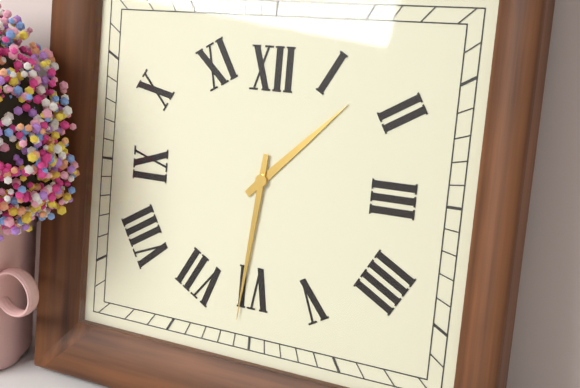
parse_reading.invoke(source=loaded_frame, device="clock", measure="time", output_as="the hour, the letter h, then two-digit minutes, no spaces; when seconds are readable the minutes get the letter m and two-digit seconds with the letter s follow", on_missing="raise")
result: 1h31
